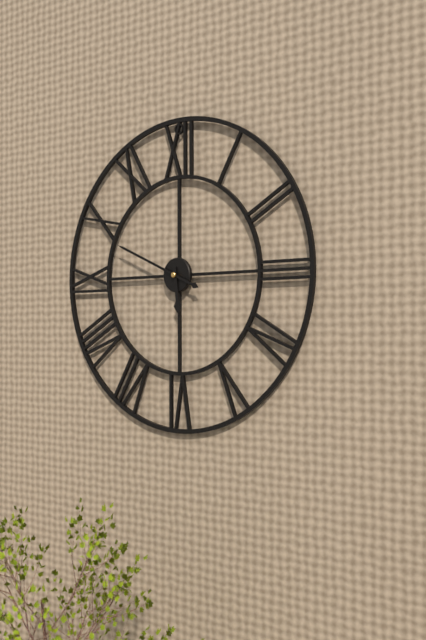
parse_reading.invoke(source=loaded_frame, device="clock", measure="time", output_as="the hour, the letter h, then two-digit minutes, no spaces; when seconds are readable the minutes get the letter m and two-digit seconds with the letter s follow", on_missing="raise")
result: 5h49
